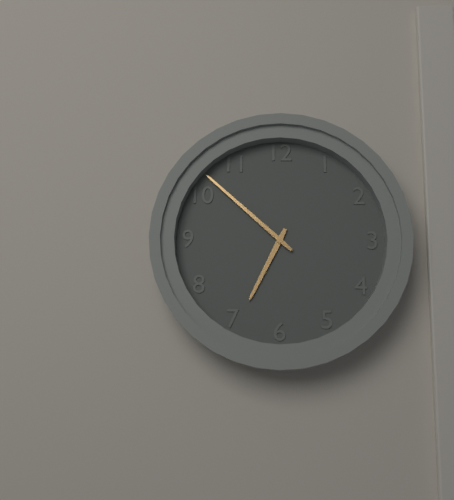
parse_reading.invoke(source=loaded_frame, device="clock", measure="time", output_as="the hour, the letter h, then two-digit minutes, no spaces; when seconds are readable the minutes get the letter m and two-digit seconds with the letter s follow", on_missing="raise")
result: 6h52
